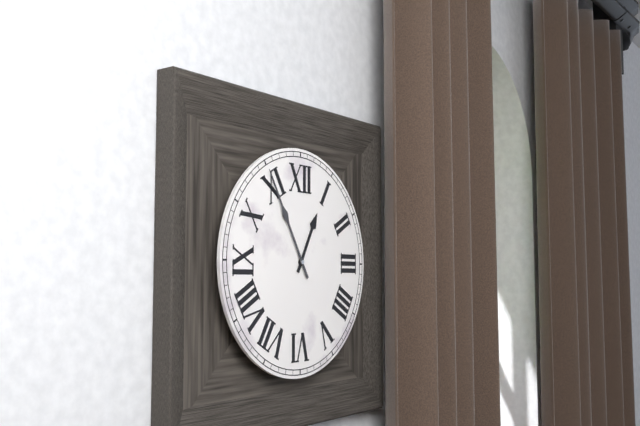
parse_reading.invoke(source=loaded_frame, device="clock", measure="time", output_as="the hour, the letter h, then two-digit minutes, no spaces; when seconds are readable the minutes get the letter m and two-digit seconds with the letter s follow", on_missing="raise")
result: 12h55
